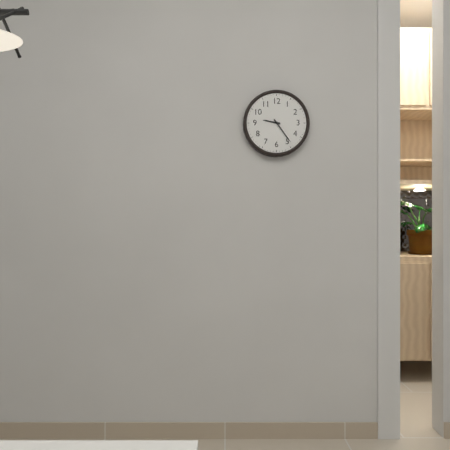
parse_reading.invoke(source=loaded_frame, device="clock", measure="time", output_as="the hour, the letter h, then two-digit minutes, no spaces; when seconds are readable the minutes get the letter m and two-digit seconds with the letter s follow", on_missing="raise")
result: 9h24
